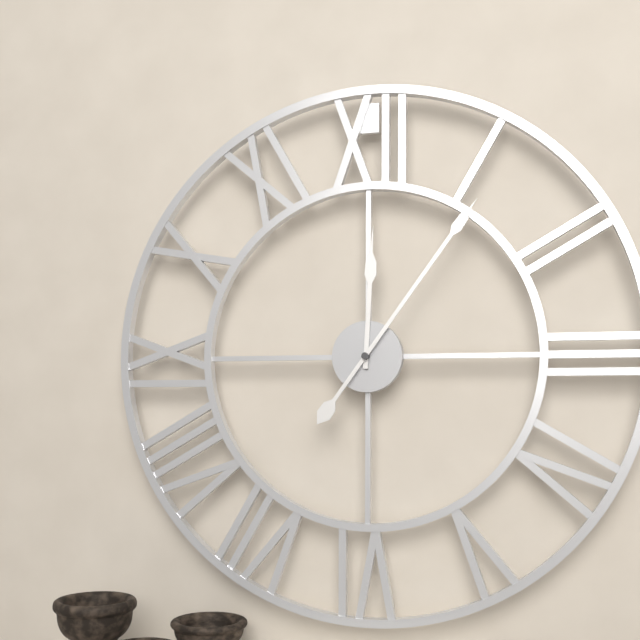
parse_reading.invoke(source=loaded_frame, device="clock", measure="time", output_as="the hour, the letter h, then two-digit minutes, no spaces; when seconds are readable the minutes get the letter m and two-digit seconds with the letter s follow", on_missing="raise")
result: 12h06
